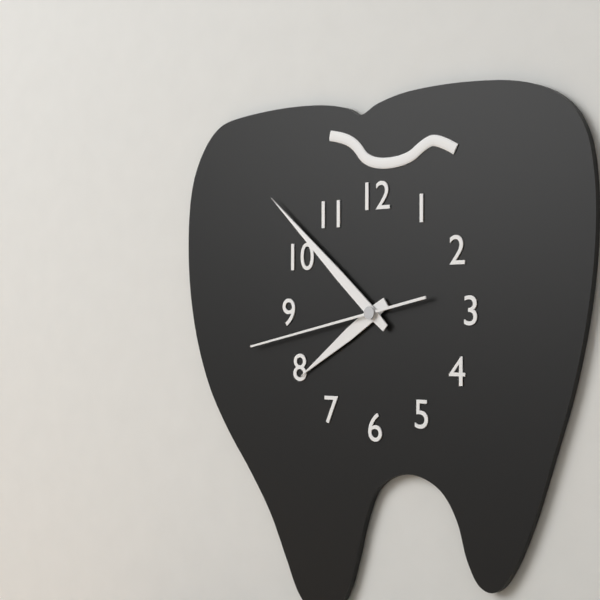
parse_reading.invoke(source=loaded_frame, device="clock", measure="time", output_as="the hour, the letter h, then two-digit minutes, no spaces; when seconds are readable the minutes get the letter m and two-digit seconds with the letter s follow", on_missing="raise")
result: 7h52m43s
